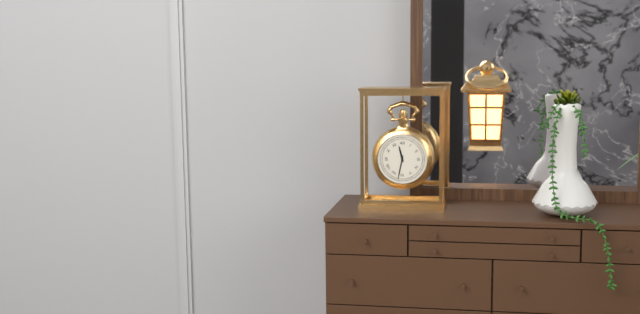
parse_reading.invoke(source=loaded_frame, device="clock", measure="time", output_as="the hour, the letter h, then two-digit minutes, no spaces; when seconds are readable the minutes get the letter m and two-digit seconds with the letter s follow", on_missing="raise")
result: 11h32
